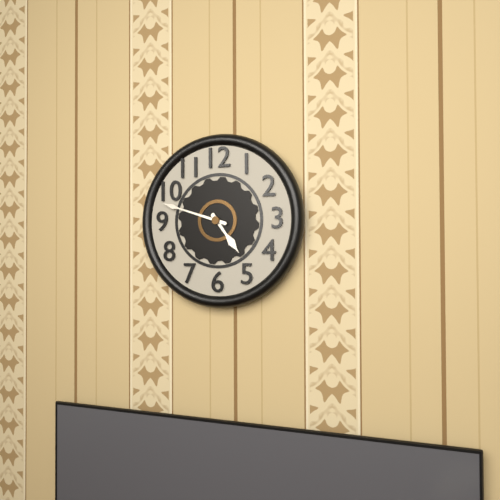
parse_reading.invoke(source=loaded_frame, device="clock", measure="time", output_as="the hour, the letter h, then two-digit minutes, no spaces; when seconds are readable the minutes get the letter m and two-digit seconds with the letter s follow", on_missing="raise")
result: 4h48
